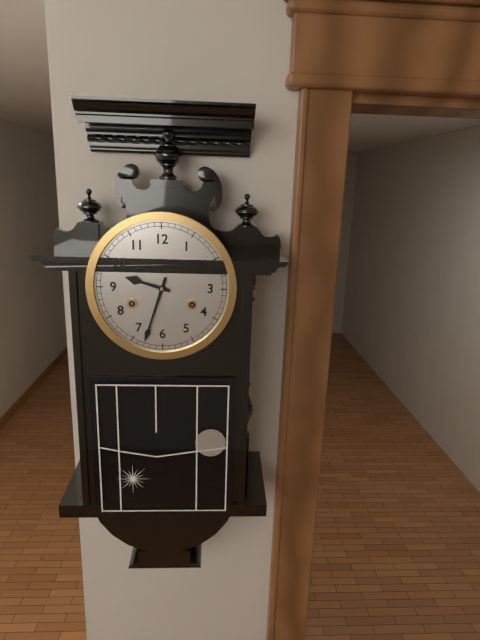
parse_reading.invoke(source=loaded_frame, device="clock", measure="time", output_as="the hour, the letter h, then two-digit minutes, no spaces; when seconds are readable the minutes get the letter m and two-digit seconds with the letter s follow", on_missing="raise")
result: 9h33
